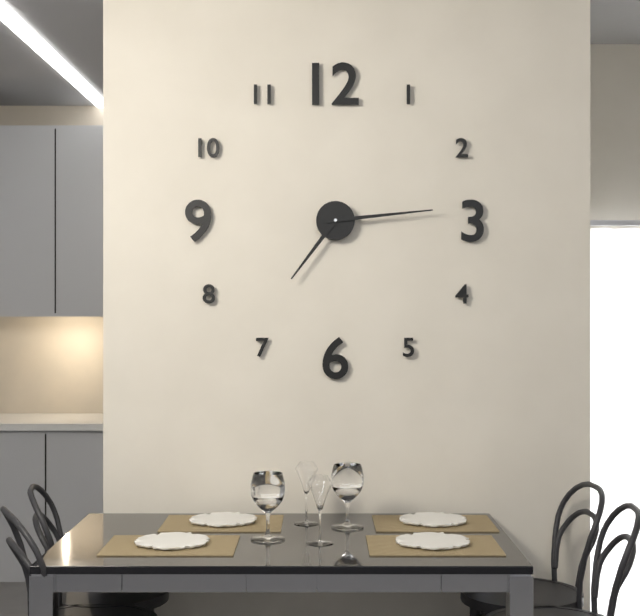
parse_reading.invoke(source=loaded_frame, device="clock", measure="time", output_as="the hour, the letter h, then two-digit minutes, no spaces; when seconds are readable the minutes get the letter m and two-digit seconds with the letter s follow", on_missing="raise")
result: 7h14
